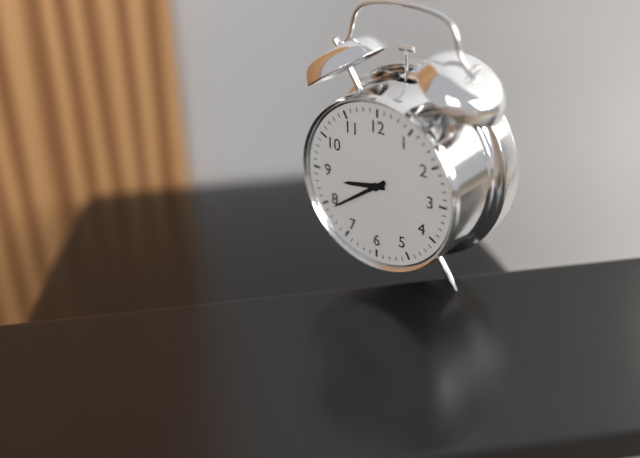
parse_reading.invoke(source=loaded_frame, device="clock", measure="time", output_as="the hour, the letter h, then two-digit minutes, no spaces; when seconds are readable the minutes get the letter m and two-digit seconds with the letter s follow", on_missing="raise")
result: 8h39
